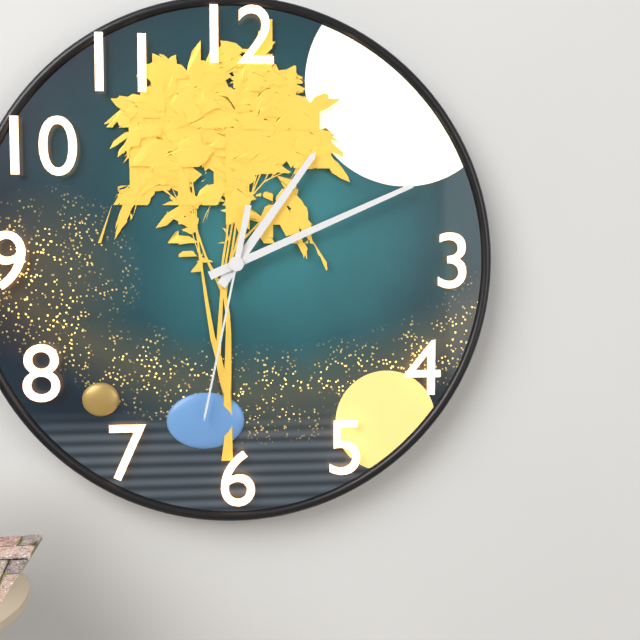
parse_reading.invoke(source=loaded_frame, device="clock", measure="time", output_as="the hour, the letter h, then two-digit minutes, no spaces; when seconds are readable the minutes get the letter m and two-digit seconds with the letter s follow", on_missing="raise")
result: 1h11m32s
